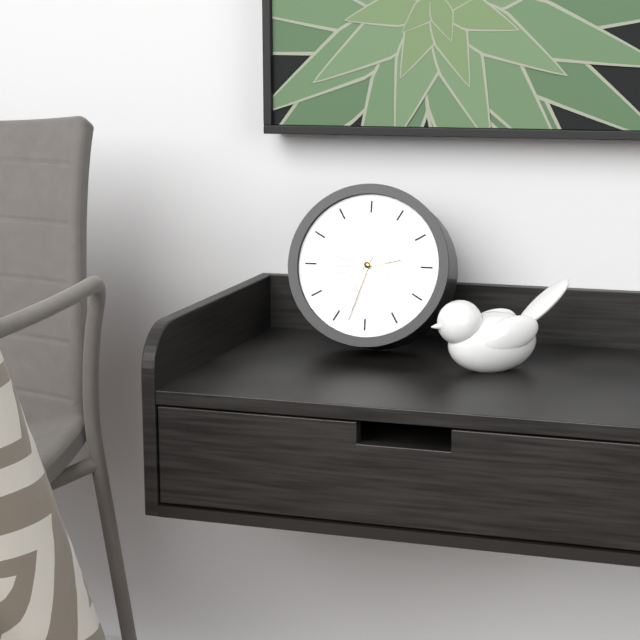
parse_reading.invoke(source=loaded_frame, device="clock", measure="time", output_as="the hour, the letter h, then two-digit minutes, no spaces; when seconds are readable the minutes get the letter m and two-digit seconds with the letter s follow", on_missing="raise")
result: 2h33
